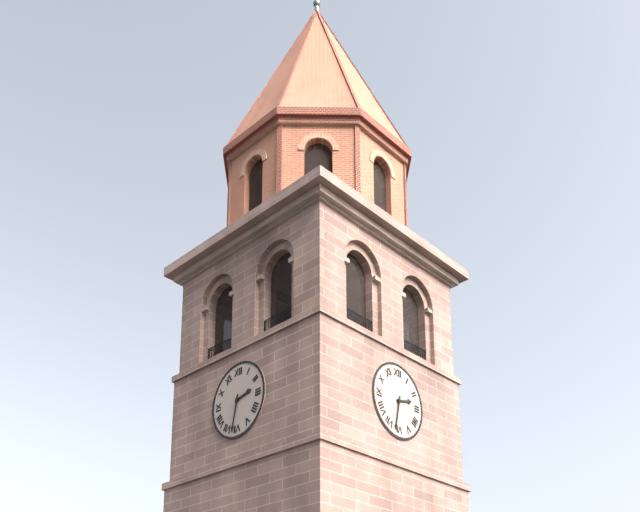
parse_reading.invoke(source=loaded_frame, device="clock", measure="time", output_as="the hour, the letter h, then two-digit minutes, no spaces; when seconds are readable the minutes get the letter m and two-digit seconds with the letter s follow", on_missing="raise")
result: 2h32
